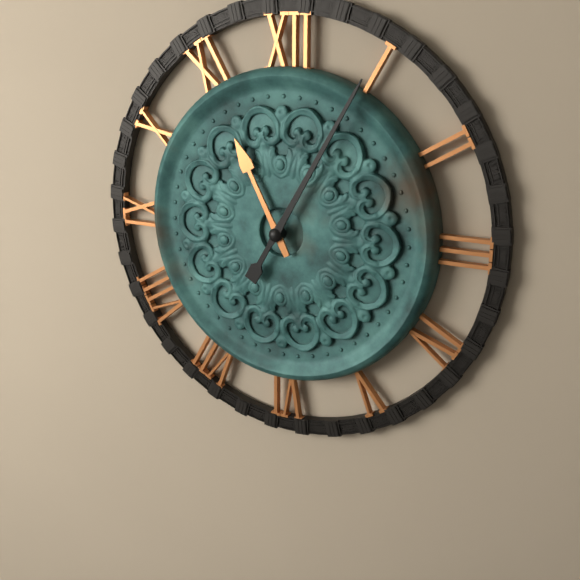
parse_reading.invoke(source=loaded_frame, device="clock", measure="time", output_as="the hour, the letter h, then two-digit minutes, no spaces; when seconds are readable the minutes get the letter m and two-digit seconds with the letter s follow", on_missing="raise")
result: 11h05
